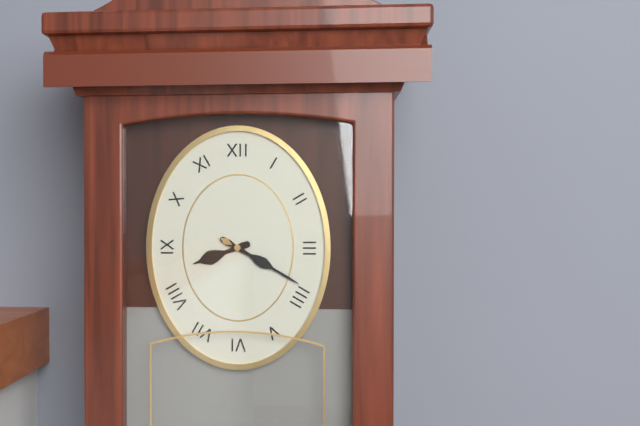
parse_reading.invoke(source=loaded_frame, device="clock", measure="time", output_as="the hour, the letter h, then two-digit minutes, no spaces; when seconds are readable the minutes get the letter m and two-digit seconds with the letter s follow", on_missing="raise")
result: 8h20
